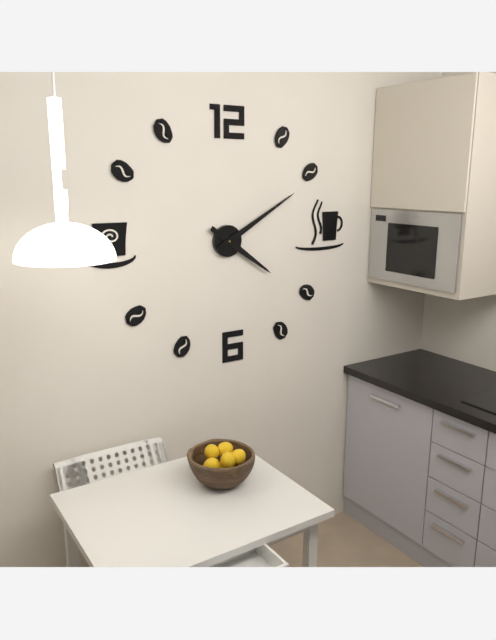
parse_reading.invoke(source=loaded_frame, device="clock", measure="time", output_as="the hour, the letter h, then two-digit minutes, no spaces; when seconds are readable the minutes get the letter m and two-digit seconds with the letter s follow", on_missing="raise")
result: 4h10
